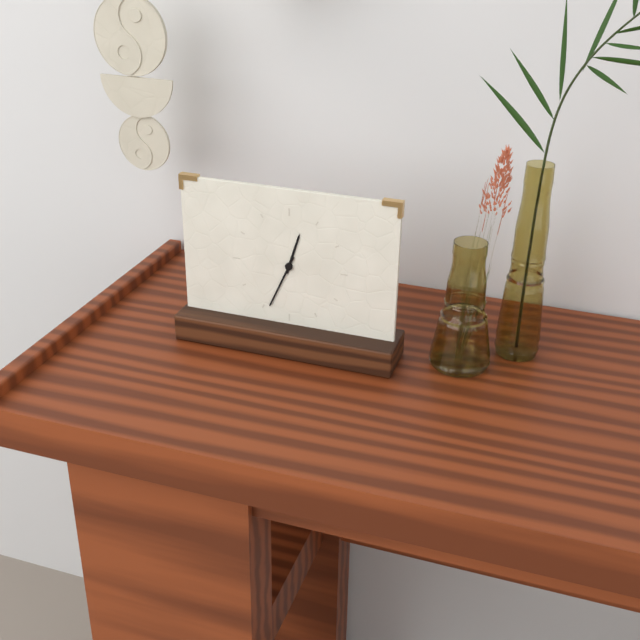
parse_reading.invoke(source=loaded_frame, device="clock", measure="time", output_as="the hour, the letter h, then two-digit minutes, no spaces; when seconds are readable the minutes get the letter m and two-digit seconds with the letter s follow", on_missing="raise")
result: 12h34
